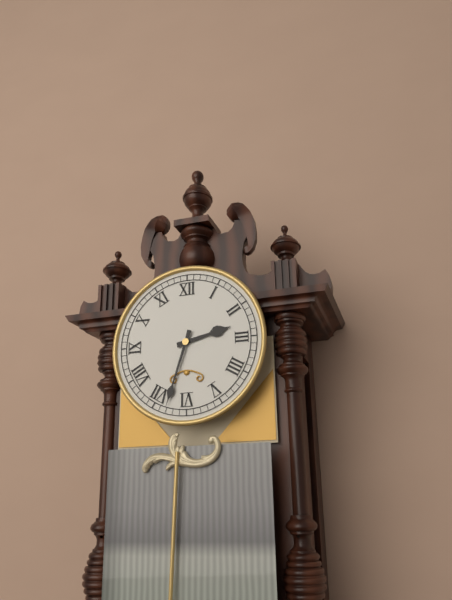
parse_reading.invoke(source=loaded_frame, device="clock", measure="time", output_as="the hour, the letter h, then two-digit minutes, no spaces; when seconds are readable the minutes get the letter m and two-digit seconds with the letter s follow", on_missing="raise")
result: 2h33
